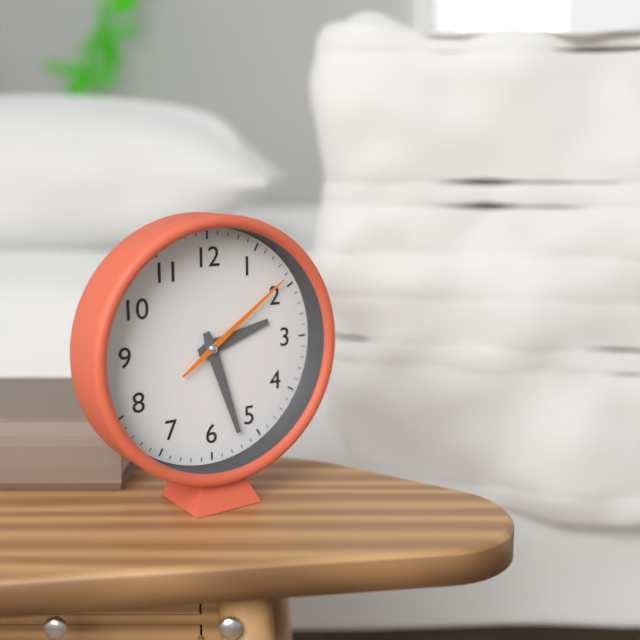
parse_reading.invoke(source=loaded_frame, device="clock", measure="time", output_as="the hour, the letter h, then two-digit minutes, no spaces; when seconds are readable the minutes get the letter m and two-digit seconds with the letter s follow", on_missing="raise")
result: 2h27m09s
